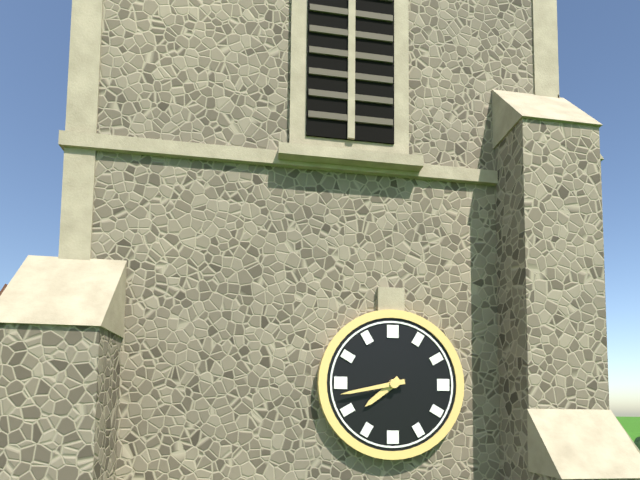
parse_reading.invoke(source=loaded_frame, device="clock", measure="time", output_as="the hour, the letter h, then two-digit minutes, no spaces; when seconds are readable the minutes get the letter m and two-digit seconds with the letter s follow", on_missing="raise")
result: 7h43
